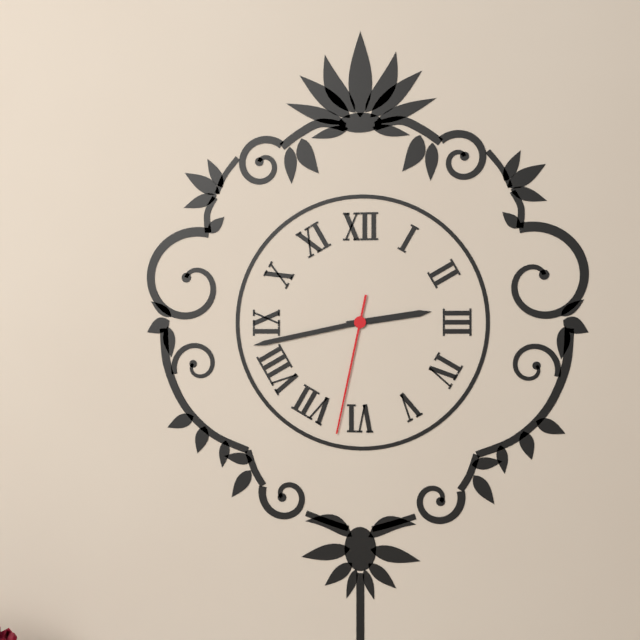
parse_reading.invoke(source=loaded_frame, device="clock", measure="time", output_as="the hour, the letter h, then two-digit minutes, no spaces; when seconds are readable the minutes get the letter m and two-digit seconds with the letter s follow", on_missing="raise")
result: 2h43m32s
